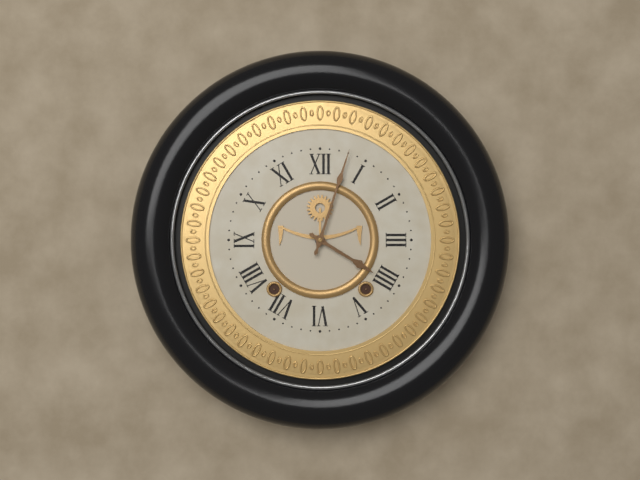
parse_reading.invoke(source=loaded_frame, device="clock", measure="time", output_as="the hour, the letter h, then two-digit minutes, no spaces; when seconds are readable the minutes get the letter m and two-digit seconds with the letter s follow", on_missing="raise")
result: 4h03
